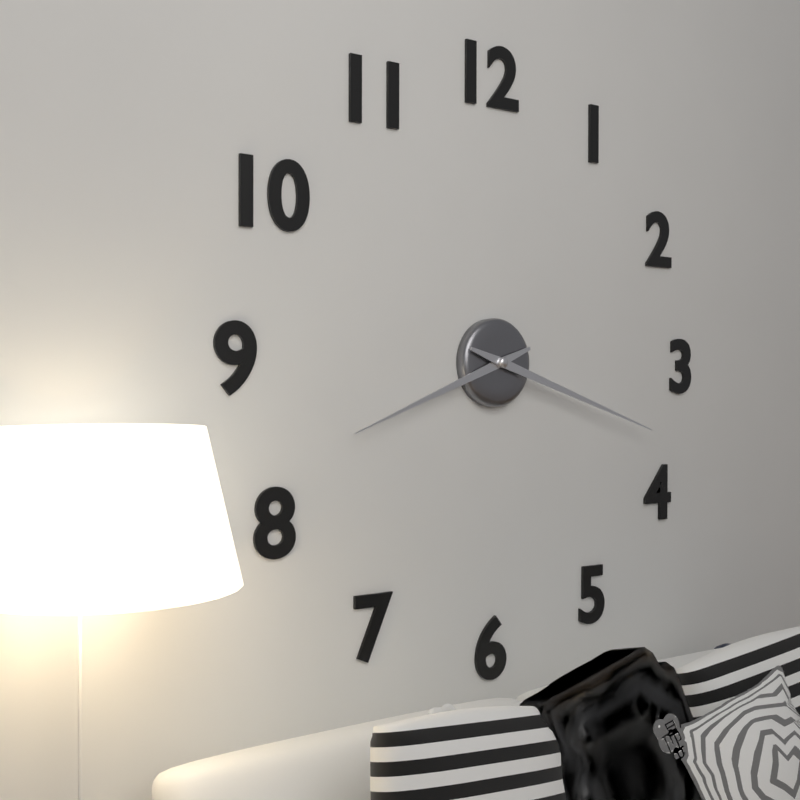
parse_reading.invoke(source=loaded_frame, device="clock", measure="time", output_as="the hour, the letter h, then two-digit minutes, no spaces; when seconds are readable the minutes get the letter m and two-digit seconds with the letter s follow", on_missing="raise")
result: 8h18
